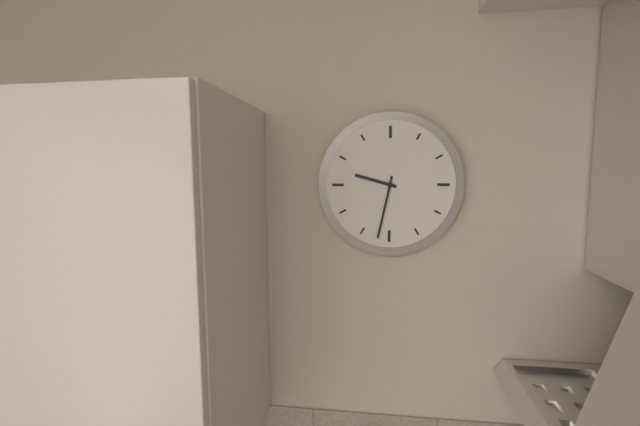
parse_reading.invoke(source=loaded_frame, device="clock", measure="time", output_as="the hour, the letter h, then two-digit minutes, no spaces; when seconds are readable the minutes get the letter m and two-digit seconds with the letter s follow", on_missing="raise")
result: 9h32
